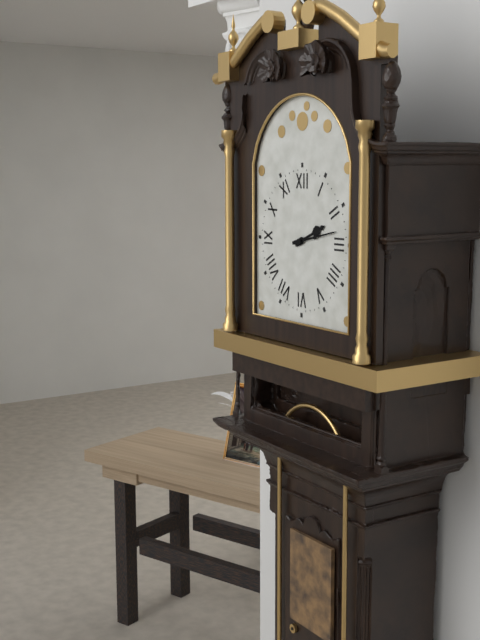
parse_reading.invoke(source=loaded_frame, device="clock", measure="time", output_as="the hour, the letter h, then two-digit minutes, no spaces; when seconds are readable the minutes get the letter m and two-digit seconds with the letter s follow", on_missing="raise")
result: 2h13
